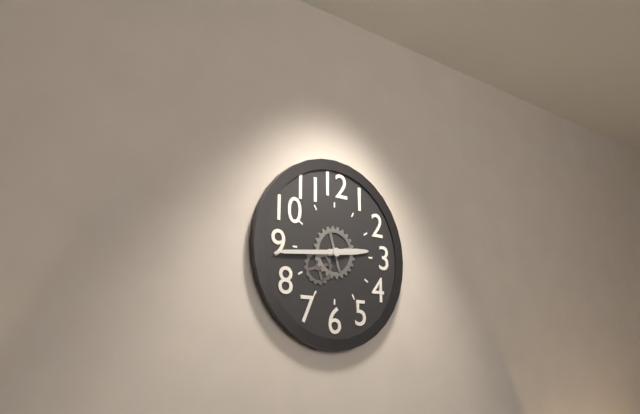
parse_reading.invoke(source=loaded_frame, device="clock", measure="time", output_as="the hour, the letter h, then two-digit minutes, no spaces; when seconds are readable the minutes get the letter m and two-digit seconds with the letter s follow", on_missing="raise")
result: 2h44
